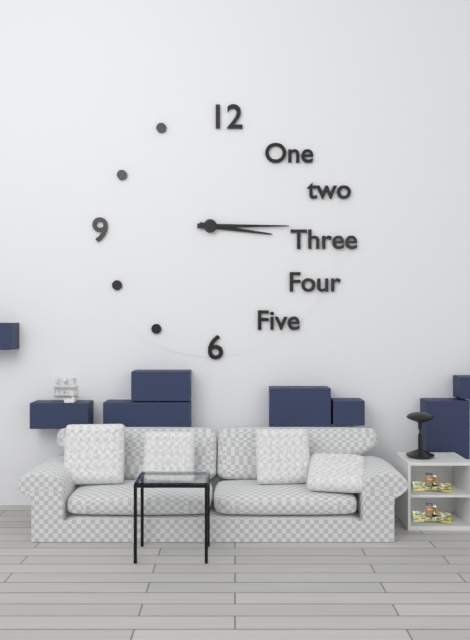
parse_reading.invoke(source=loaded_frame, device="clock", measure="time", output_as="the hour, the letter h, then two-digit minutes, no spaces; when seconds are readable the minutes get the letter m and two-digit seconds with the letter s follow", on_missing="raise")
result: 3h15
